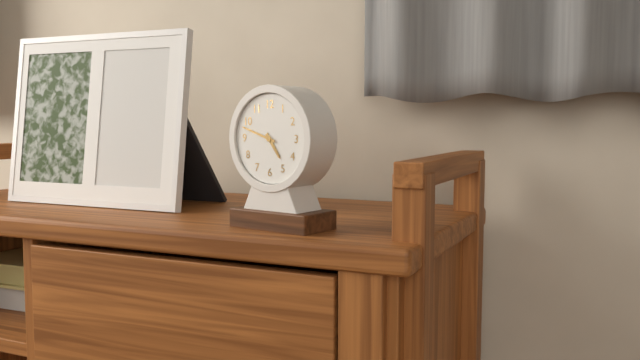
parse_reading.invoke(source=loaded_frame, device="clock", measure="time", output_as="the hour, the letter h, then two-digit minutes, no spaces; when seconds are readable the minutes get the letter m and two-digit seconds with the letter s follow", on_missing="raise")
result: 4h48
